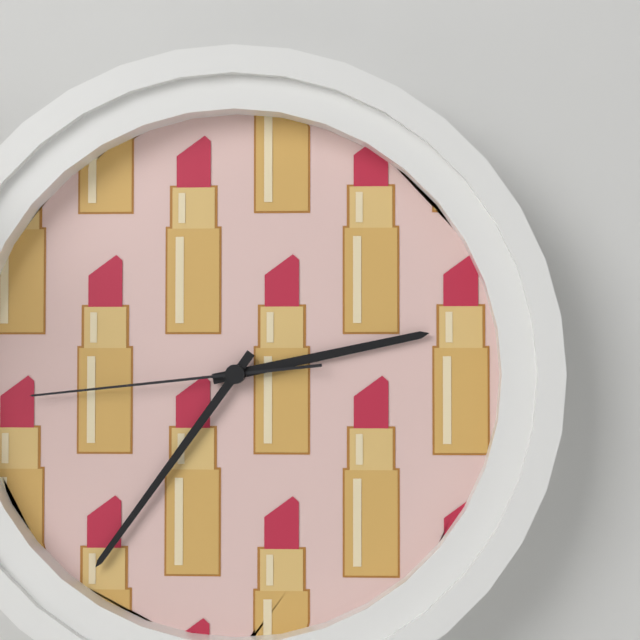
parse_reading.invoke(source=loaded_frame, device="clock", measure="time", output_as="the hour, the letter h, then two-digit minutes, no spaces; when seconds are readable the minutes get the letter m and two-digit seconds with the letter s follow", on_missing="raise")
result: 2h36m44s
